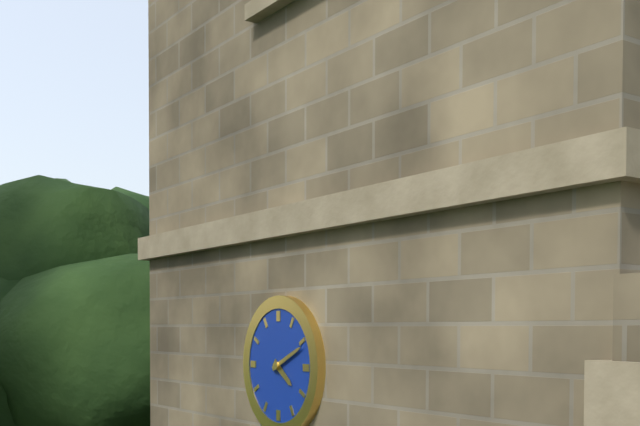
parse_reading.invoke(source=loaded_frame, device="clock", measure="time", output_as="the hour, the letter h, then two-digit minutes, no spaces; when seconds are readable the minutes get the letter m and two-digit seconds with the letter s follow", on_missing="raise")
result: 4h11
